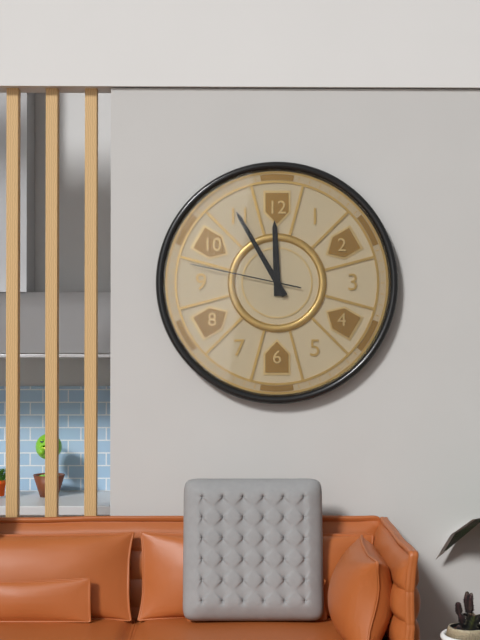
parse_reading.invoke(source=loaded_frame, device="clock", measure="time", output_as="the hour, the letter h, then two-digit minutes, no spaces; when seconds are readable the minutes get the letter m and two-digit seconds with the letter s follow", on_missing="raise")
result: 11h55m47s
